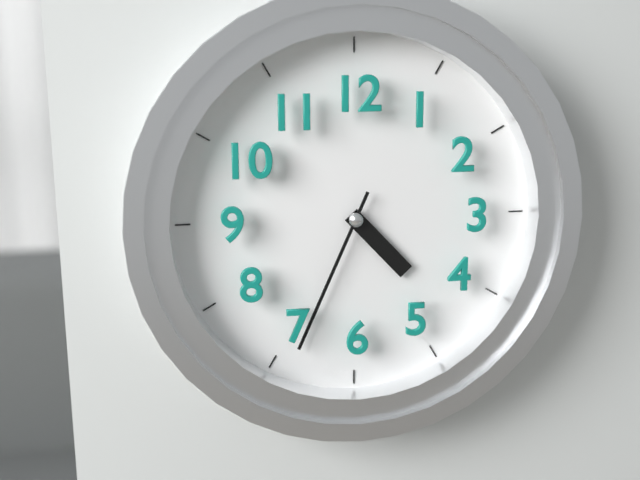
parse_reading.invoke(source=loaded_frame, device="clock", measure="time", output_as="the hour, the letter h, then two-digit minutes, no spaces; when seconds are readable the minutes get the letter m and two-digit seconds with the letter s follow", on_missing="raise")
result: 4h34
